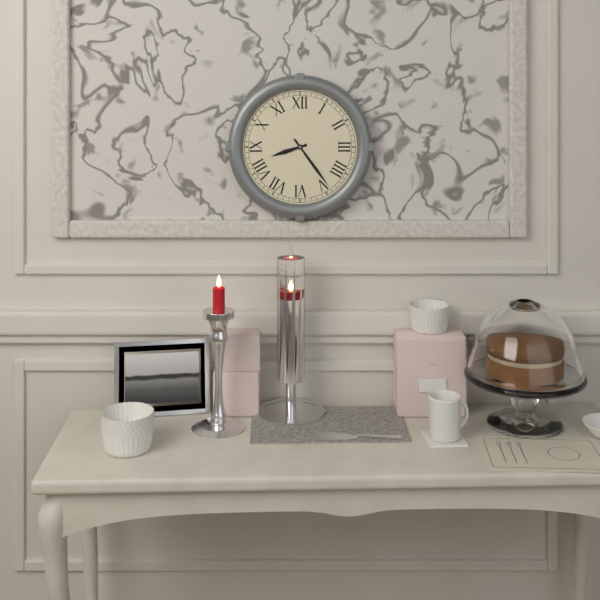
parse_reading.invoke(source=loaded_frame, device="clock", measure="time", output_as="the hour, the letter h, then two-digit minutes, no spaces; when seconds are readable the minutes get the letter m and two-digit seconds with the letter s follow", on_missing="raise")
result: 8h24
